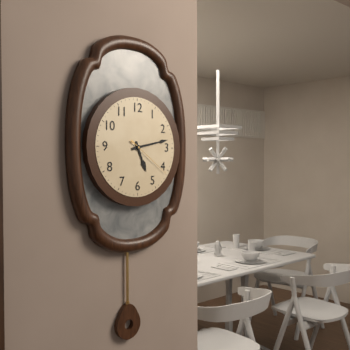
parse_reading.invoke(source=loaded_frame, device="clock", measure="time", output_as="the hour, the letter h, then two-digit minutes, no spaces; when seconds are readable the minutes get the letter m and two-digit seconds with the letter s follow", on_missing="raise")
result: 5h13
